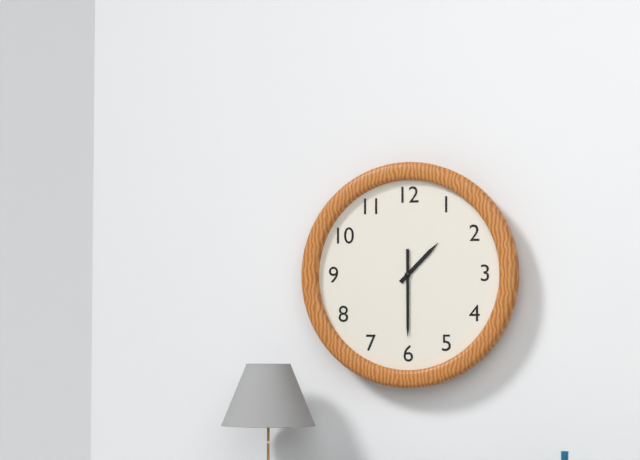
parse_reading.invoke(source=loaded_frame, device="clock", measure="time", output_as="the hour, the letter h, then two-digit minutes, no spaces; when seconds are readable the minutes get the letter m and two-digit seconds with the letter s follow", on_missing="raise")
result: 1h30
